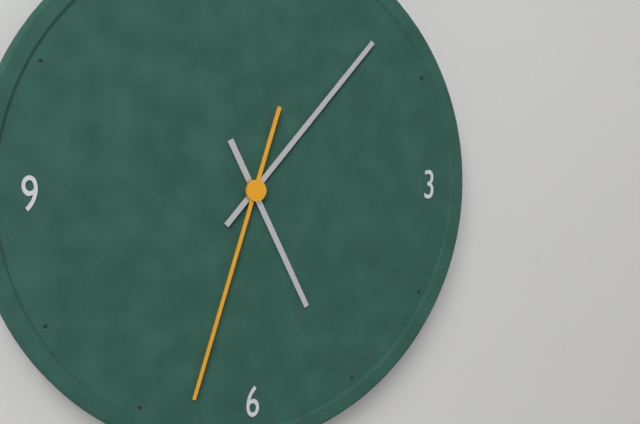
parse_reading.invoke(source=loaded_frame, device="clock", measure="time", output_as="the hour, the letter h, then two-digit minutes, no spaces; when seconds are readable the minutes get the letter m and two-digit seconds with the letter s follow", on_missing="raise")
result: 5h07m33s
